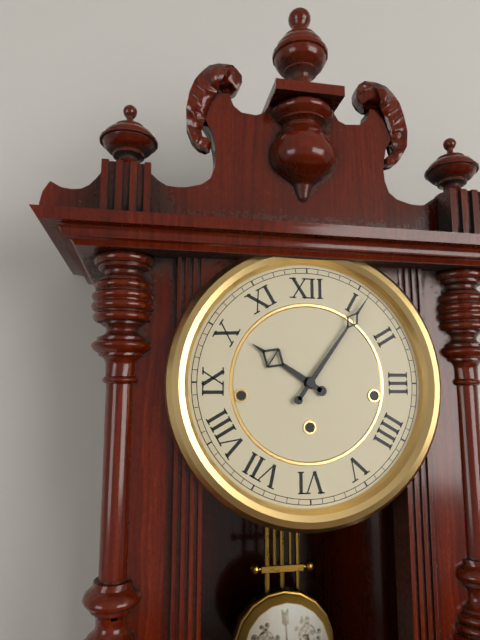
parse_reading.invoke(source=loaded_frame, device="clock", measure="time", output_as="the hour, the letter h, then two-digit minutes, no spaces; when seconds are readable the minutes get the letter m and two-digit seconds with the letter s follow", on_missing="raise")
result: 10h06
